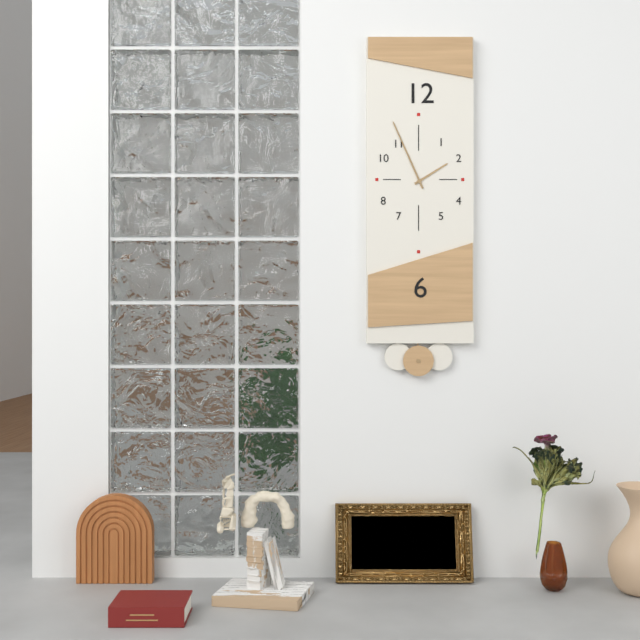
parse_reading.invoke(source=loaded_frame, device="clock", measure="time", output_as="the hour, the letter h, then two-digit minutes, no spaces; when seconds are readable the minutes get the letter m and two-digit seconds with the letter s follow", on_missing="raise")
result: 1h56
